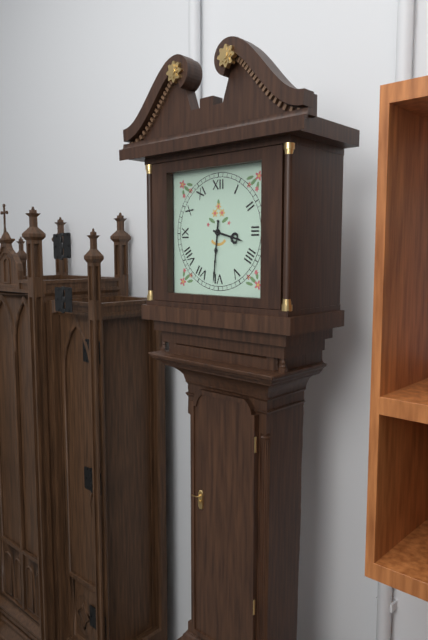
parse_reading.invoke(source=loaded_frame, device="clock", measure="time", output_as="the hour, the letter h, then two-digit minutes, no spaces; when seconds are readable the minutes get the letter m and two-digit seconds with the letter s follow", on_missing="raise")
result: 3h31
